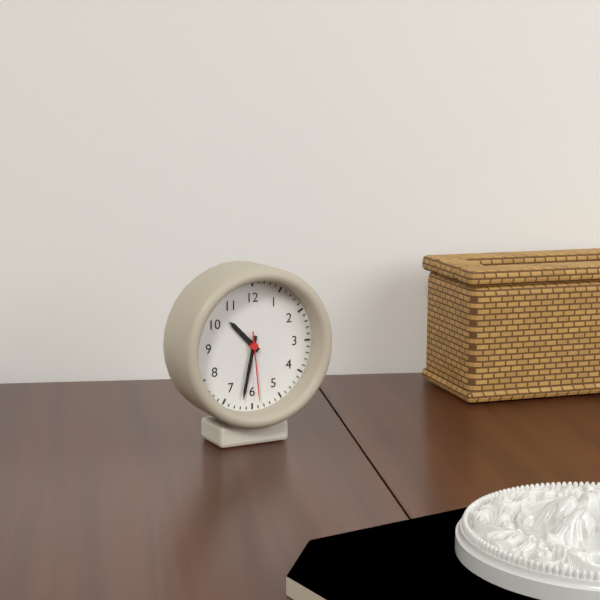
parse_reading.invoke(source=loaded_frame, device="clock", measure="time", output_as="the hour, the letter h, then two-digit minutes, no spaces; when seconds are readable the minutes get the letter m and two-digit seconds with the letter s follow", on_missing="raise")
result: 10h32m29s
